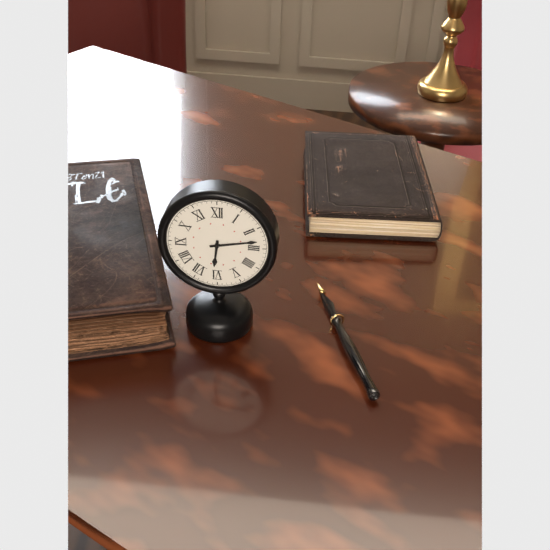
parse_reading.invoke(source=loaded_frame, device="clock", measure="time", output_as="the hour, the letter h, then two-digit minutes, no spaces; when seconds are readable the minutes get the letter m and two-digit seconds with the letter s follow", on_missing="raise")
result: 6h13
